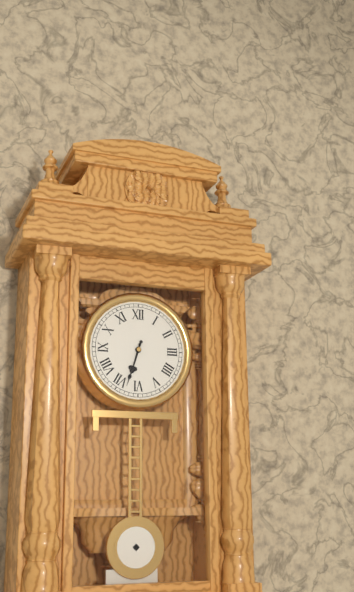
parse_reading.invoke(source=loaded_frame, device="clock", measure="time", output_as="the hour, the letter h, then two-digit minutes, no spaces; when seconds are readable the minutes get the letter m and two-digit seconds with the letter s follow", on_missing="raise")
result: 6h33
